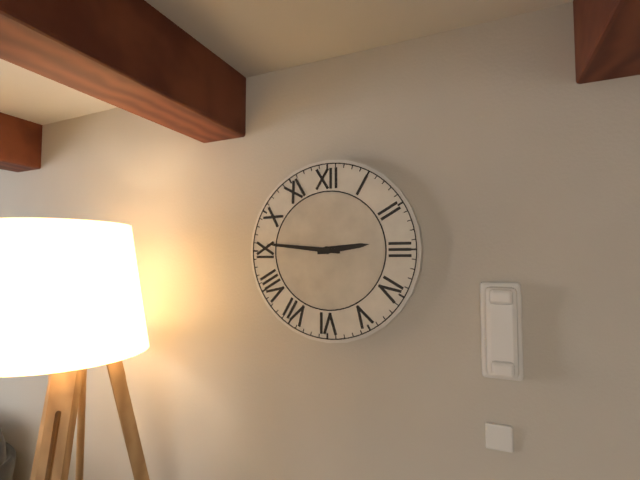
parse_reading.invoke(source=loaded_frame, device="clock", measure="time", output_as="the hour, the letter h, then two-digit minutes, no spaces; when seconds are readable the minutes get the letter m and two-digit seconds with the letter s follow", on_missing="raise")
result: 2h46
